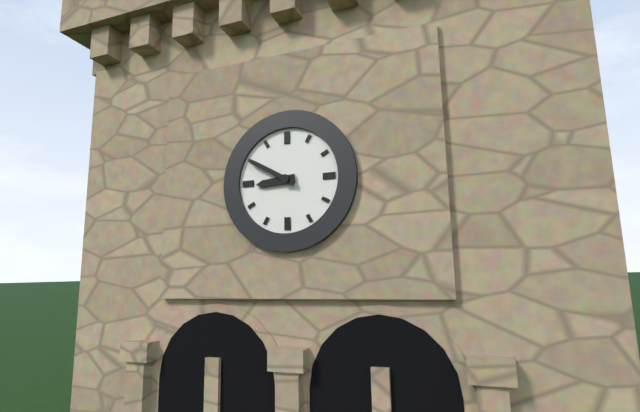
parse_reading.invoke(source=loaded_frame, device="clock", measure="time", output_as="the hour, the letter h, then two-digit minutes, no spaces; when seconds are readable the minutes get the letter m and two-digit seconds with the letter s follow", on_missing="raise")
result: 8h50
